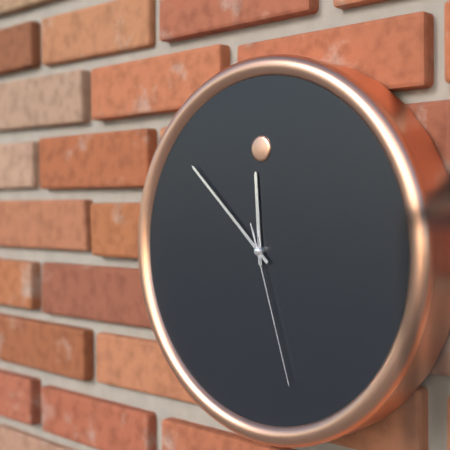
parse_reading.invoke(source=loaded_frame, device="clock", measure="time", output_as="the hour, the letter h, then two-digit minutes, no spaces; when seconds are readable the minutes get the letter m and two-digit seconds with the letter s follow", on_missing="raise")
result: 11h52m27s
